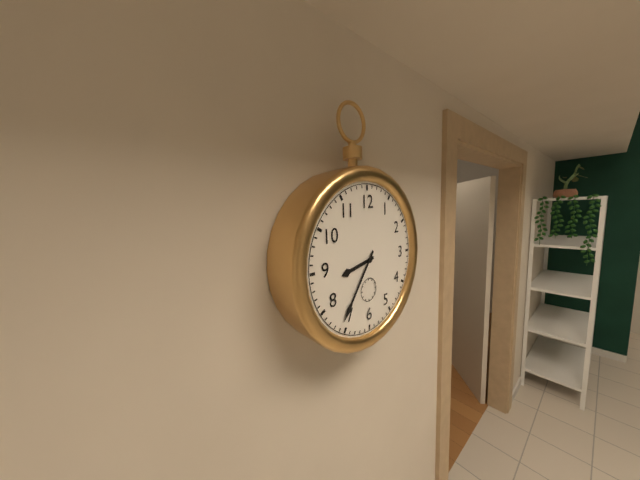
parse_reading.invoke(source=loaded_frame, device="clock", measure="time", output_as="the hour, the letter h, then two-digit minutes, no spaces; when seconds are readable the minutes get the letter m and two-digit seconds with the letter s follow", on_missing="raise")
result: 8h36
